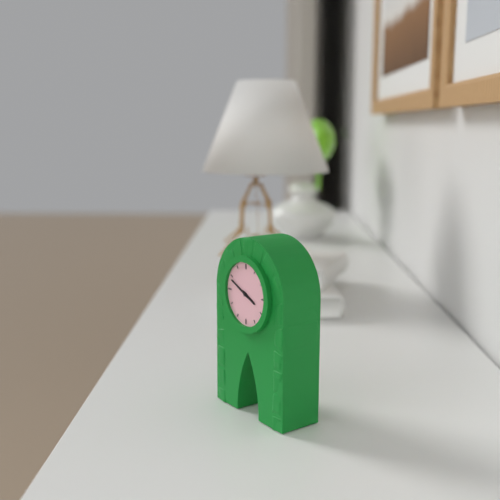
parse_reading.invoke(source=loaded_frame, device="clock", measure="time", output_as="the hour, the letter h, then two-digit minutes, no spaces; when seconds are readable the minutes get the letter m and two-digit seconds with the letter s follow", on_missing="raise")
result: 3h49
